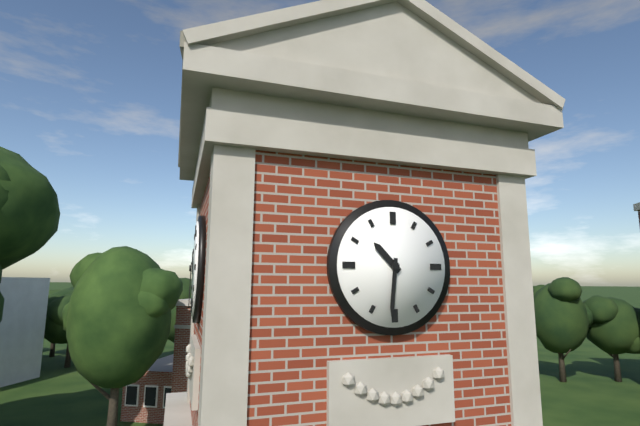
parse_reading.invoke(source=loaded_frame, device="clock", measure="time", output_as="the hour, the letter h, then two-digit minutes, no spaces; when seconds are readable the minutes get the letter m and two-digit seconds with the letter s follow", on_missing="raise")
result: 10h31
